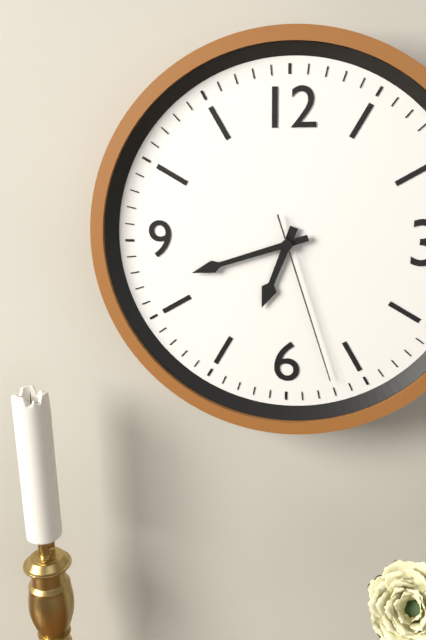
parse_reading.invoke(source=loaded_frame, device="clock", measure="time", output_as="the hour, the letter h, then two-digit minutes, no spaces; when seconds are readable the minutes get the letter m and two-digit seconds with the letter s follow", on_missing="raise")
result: 6h42m27s
